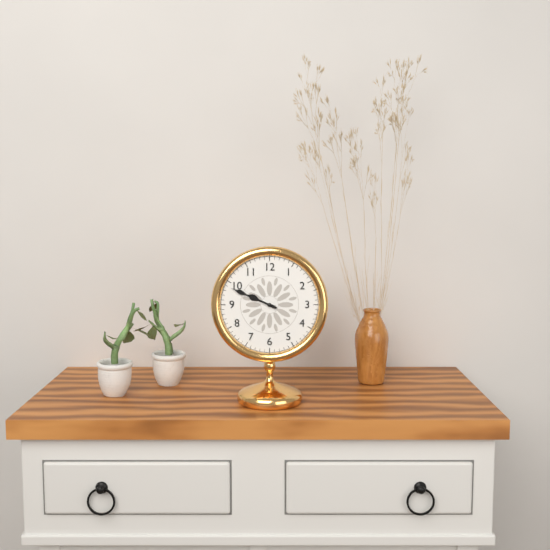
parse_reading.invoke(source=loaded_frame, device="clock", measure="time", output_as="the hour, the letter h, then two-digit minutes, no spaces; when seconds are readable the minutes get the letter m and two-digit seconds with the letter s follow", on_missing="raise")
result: 9h49
